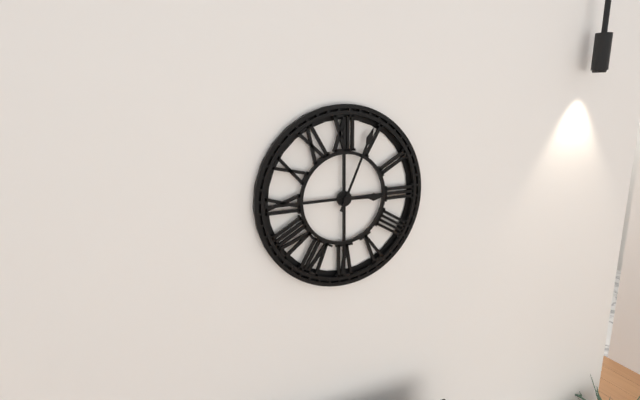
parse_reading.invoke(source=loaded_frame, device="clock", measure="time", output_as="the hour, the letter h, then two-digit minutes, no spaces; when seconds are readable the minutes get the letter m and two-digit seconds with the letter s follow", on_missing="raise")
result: 3h04
